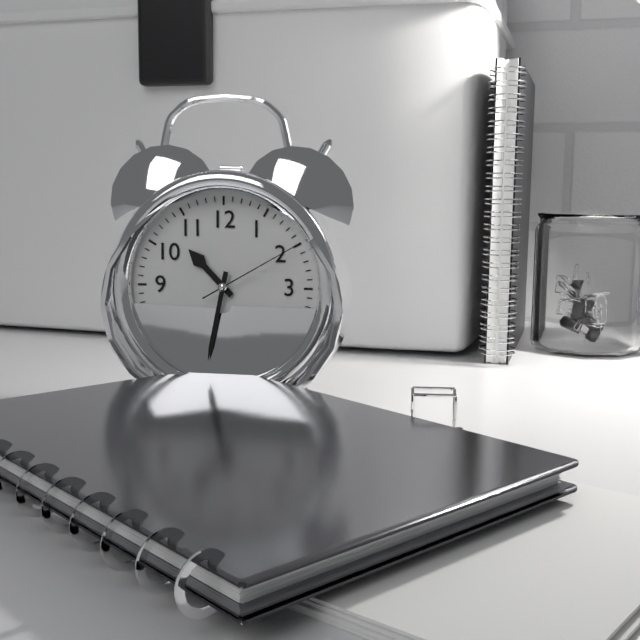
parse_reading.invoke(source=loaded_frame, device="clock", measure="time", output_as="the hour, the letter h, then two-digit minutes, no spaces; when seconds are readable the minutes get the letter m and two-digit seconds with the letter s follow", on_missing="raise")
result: 10h32m10s
